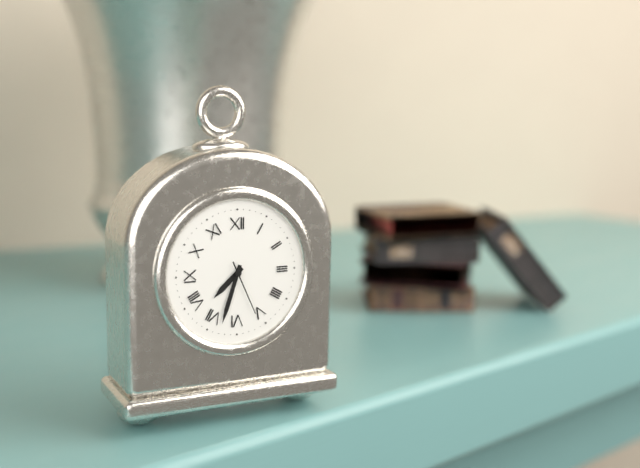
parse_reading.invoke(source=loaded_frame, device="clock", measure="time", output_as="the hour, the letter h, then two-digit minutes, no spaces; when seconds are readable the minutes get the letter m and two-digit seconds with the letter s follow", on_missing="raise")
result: 7h33m26s
